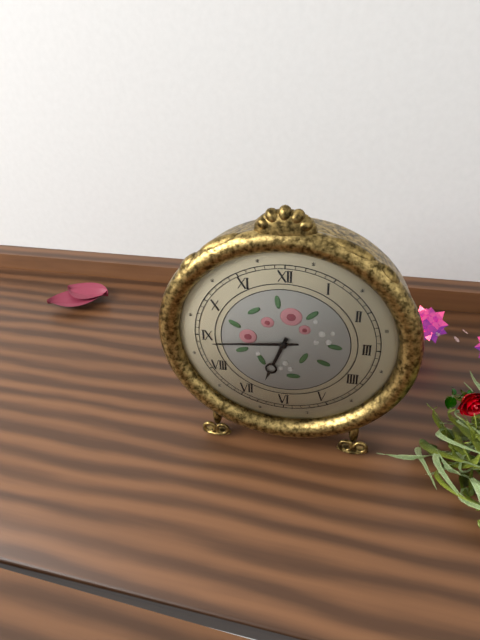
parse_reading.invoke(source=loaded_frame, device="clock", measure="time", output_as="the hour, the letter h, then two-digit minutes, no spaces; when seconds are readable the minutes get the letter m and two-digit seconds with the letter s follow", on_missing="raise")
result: 6h44
